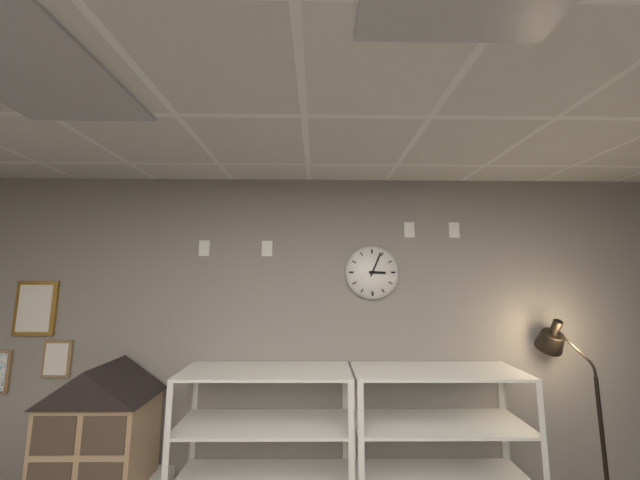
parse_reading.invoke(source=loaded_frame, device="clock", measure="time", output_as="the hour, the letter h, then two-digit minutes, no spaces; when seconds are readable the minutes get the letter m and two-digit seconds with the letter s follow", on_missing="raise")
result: 3h04
